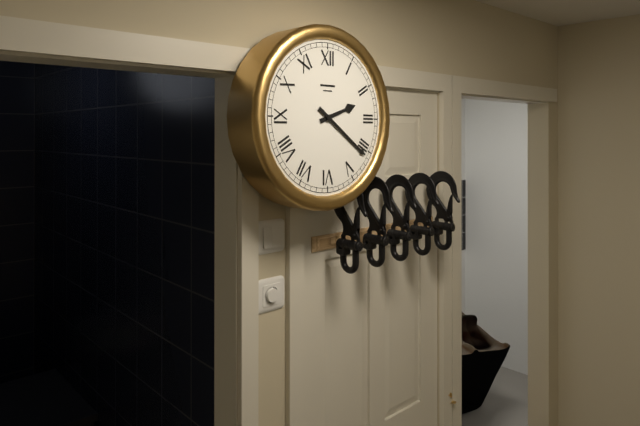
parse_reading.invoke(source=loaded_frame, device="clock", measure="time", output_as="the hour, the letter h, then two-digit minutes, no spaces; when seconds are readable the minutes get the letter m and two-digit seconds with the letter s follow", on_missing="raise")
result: 2h21
